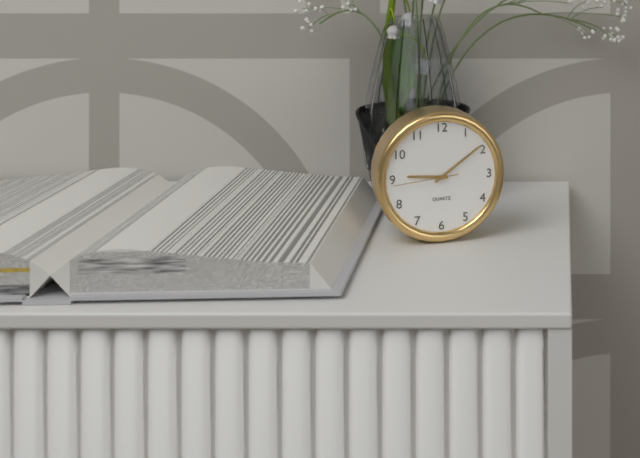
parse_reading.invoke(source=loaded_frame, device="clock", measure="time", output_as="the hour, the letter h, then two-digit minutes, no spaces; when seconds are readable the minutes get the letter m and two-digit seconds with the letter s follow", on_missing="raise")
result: 9h09m44s
